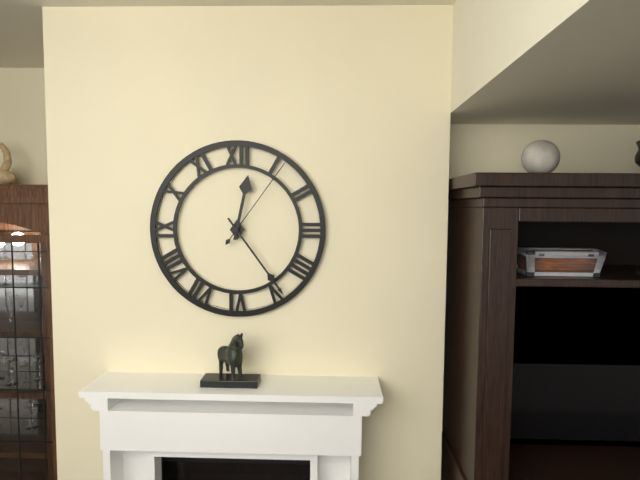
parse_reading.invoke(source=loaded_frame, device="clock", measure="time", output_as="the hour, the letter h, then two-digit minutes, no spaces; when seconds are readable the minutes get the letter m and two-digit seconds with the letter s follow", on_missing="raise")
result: 12h24m06s
